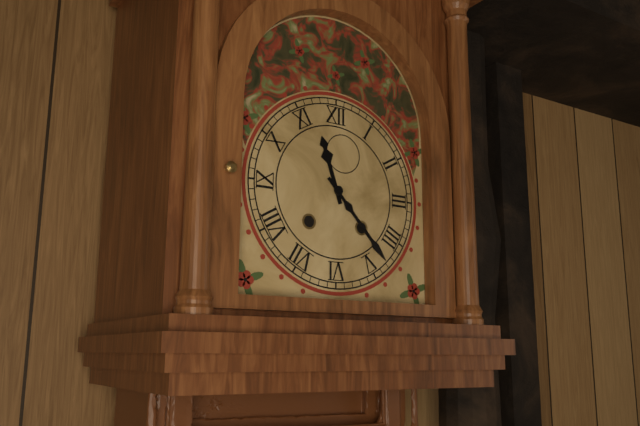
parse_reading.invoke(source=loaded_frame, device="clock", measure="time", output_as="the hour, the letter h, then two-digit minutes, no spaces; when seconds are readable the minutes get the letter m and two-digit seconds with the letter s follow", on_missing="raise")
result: 11h23
